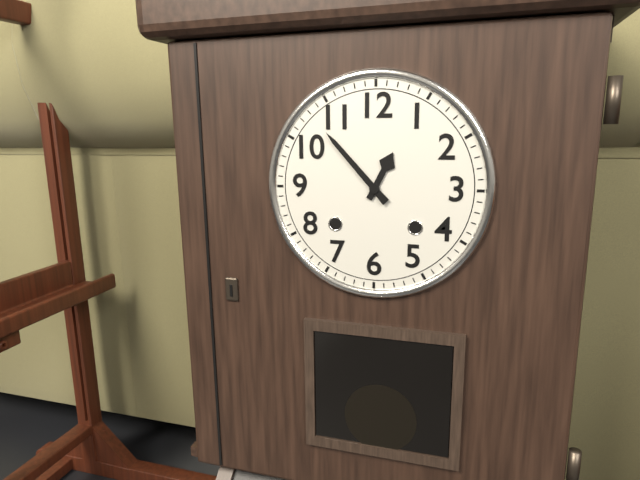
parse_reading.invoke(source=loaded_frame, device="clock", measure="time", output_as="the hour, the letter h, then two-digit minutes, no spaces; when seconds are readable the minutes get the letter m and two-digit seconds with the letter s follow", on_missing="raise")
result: 12h53
